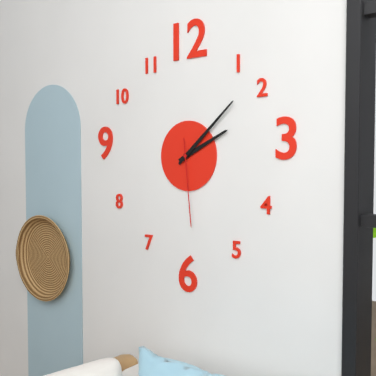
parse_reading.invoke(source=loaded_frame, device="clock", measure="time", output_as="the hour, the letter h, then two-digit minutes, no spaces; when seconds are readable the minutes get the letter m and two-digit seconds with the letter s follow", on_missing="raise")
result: 2h08m29s
